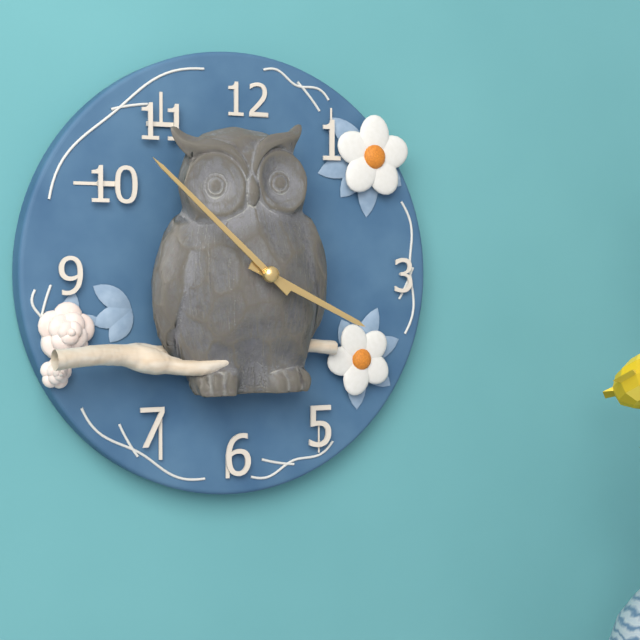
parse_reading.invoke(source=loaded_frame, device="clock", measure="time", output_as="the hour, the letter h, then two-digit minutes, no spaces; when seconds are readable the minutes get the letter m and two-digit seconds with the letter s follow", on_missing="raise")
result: 3h52
